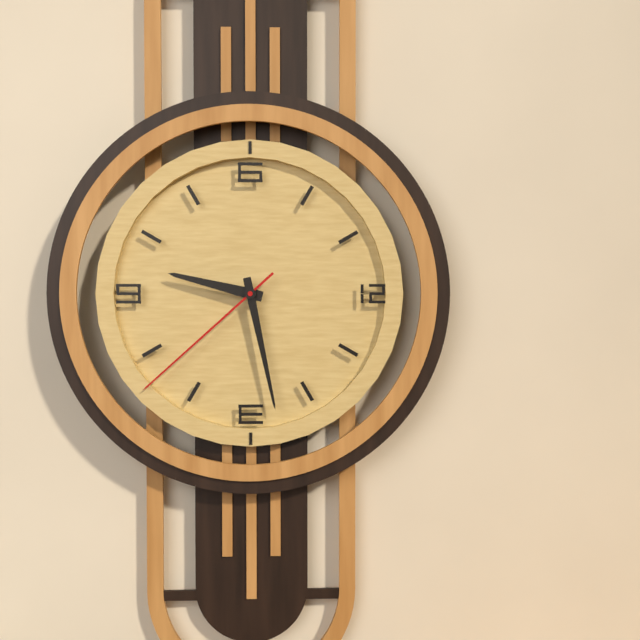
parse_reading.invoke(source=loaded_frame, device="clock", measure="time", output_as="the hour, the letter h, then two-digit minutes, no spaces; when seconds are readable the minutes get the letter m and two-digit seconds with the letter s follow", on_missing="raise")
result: 9h28m38s
